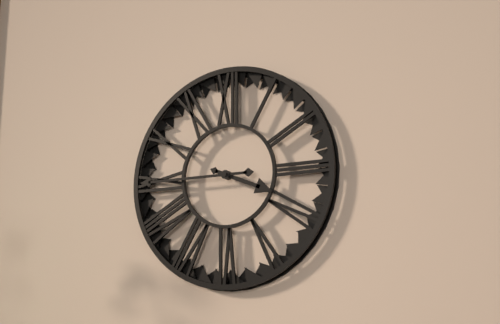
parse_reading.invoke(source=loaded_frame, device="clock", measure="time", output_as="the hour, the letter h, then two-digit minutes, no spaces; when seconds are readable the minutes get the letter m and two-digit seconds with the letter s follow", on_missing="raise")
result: 3h45
